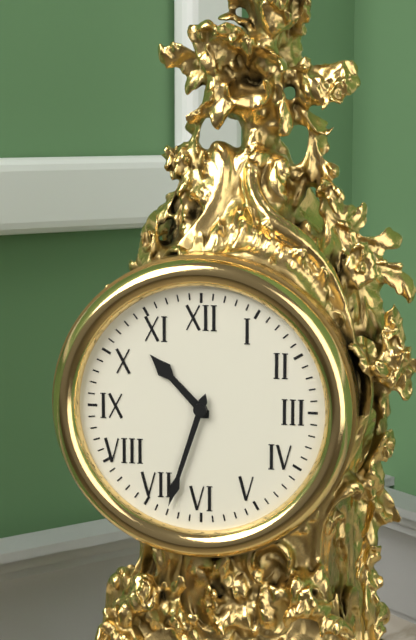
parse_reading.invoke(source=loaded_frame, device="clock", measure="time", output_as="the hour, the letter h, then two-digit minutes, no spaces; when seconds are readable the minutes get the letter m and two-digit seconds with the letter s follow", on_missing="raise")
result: 10h33
